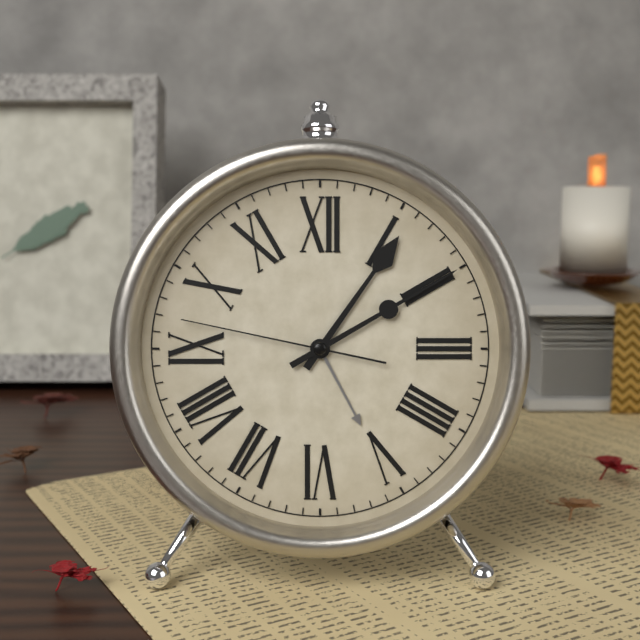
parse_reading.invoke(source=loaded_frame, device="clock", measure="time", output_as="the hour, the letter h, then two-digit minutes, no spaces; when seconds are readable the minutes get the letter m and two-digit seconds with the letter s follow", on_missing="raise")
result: 1h10m47s
